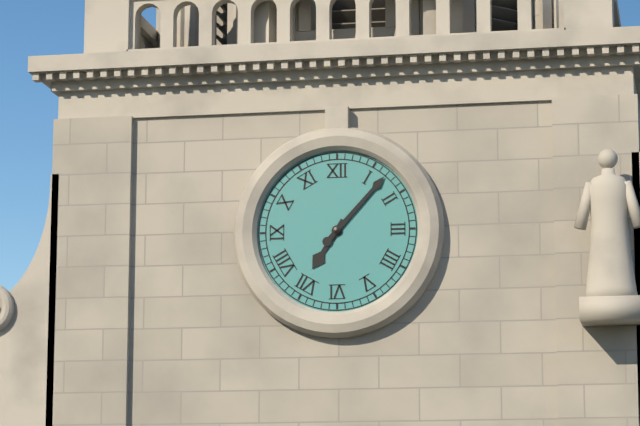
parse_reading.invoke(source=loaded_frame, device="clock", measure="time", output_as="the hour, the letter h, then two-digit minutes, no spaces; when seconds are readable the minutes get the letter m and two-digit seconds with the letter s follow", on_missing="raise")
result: 7h07
